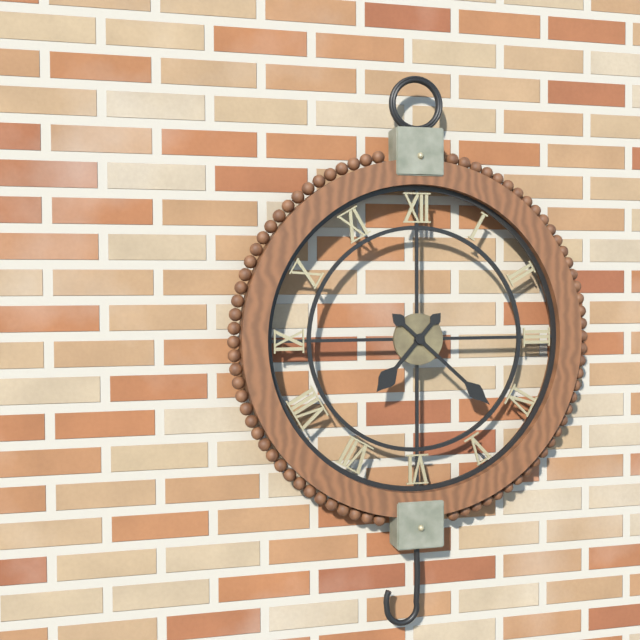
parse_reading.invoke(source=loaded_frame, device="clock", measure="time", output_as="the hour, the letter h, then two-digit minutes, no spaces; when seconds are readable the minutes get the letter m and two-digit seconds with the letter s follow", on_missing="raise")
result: 7h22
